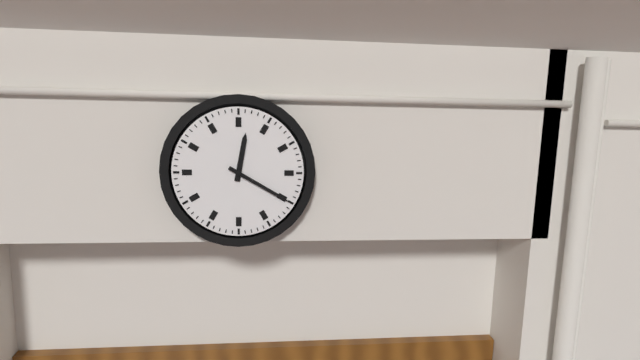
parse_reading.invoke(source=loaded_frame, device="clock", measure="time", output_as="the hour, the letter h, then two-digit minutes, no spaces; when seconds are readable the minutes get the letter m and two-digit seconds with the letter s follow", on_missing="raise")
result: 12h20
